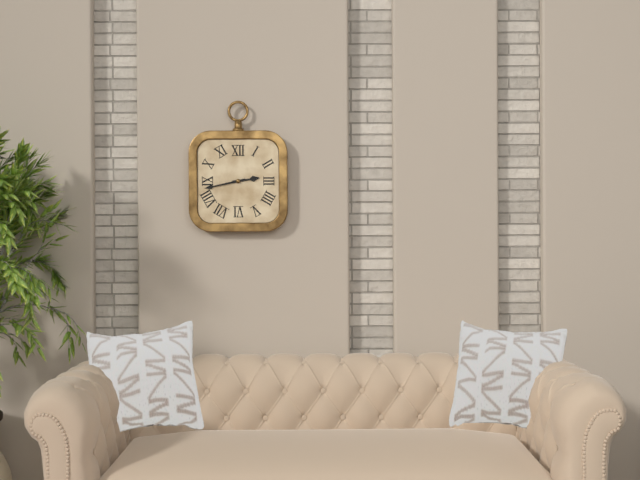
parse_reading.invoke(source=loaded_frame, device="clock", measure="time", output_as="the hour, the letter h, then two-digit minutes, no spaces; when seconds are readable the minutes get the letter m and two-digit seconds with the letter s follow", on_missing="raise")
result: 2h43
